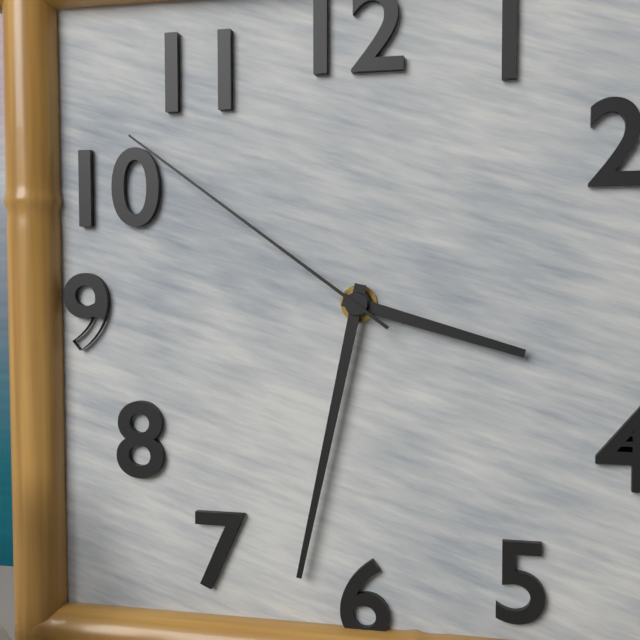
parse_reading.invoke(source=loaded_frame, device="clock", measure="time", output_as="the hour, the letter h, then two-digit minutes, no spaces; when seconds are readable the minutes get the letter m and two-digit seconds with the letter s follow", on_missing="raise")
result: 3h32m51s
